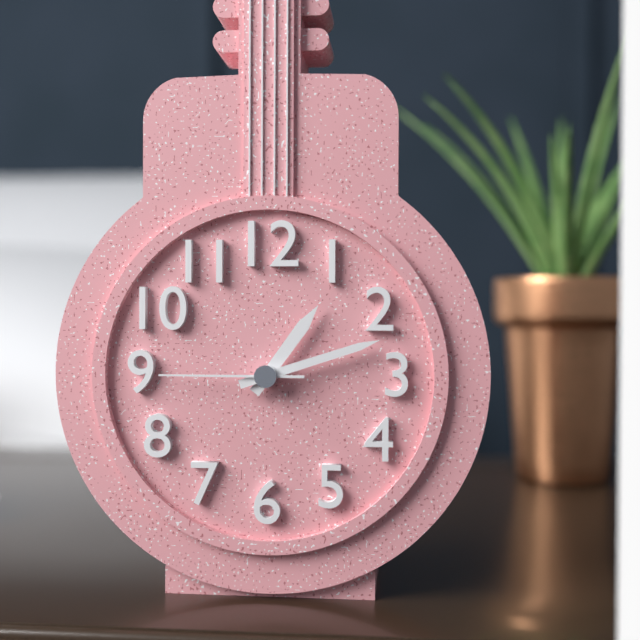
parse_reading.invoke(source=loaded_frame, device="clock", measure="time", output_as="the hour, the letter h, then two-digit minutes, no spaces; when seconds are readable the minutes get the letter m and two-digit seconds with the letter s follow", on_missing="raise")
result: 1h12m45s
